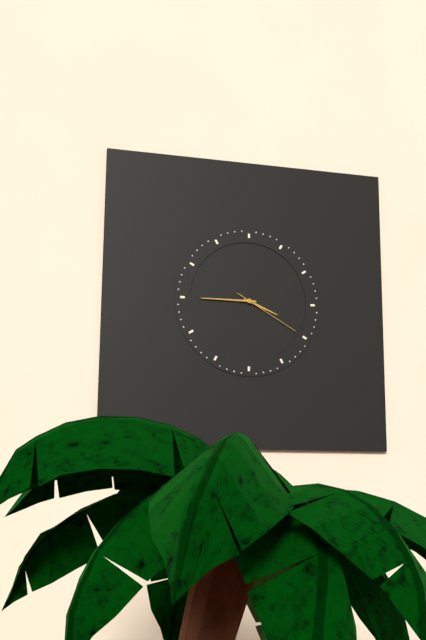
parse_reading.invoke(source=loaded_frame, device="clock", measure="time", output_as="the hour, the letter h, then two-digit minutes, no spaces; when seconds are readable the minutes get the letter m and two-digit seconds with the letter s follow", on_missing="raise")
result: 3h45m20s
